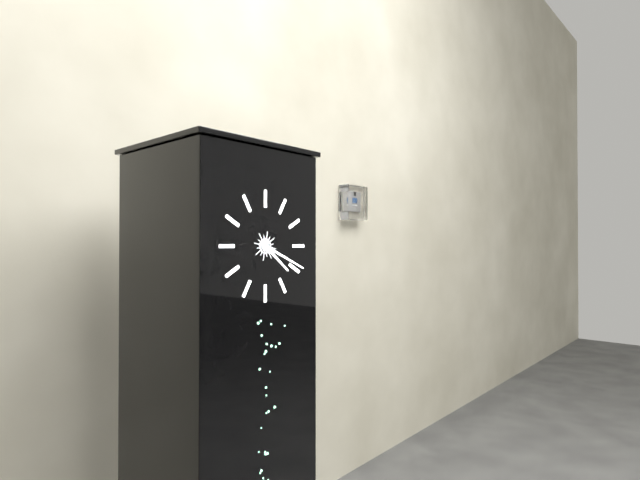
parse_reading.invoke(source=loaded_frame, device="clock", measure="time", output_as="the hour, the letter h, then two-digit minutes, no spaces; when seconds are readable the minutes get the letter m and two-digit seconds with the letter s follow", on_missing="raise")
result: 4h19
